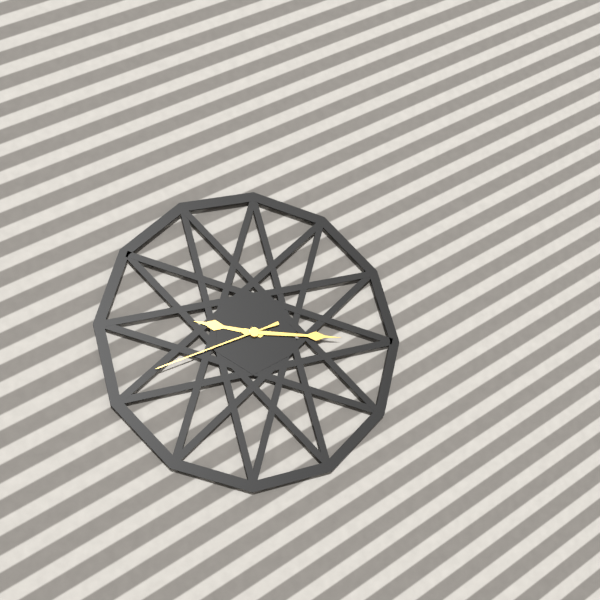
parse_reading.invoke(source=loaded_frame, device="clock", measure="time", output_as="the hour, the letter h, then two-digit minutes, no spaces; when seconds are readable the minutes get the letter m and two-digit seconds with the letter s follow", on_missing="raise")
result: 9h15m41s
